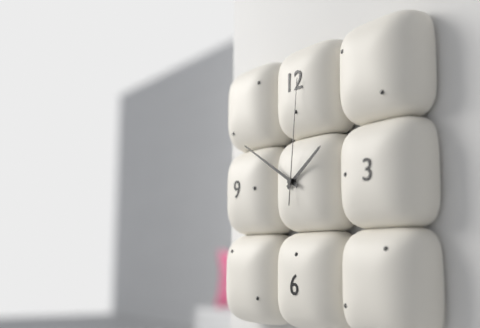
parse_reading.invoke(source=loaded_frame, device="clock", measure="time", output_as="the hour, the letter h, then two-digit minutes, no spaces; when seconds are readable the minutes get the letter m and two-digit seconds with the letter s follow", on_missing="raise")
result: 1h50m01s
